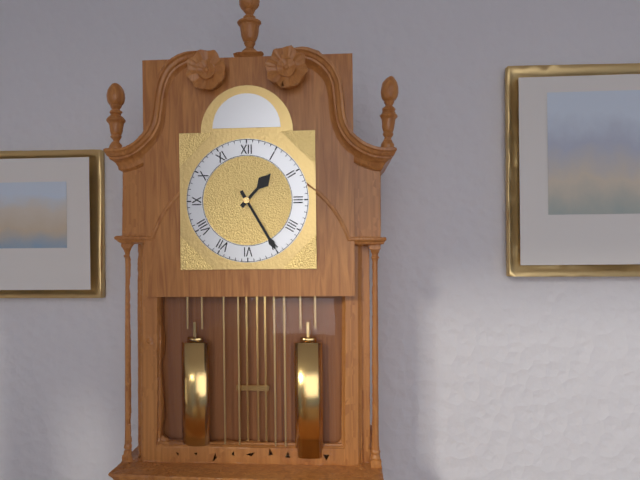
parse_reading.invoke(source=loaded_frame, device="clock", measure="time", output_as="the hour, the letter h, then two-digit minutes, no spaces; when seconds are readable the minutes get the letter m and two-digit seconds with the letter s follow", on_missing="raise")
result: 1h25
